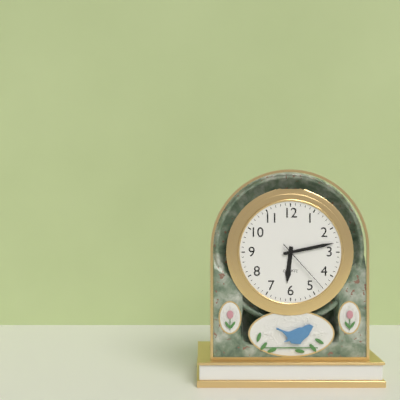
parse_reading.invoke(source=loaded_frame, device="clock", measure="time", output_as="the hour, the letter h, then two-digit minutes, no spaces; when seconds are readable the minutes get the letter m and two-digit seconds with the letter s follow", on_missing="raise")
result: 6h13m23s
